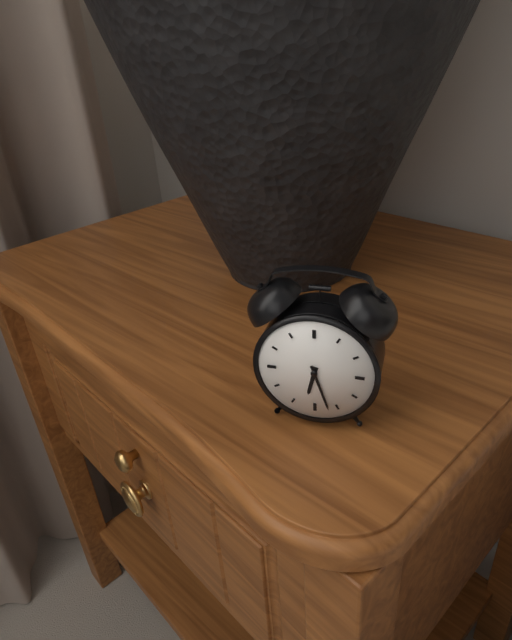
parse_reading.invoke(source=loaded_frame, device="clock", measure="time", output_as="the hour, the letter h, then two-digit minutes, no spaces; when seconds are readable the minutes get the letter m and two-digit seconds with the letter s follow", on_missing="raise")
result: 6h27
